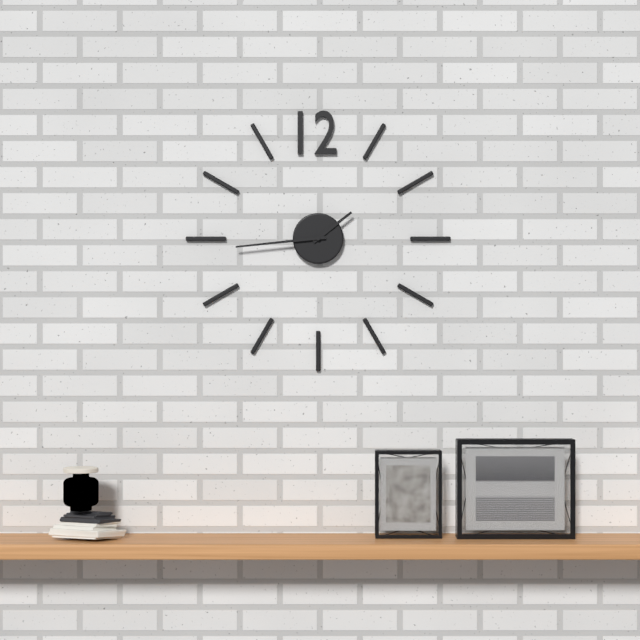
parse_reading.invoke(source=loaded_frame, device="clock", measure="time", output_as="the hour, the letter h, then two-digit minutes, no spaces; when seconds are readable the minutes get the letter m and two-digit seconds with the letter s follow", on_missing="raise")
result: 1h44
